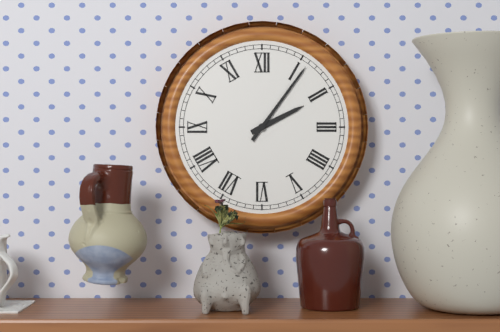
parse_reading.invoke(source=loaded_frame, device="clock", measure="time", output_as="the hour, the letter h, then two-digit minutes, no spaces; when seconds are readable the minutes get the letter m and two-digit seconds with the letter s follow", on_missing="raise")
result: 2h06
